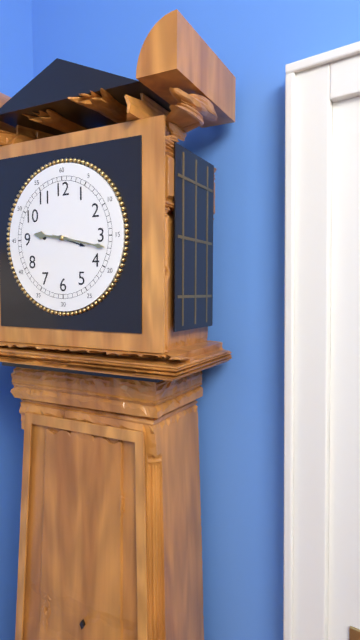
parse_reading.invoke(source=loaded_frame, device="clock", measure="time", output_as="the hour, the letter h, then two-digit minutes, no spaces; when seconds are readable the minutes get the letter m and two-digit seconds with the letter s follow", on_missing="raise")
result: 9h17
